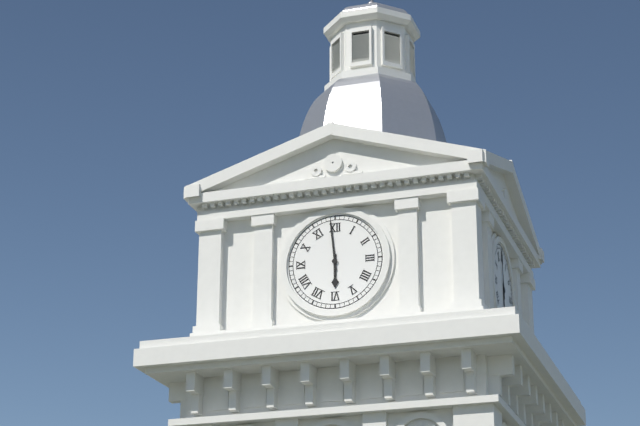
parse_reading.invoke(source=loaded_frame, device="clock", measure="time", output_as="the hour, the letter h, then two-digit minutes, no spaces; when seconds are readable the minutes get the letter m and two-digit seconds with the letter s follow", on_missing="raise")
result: 5h59
